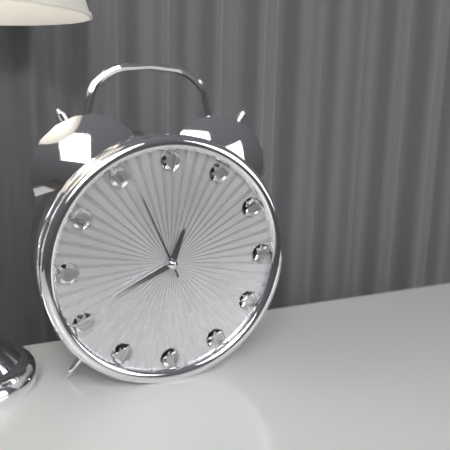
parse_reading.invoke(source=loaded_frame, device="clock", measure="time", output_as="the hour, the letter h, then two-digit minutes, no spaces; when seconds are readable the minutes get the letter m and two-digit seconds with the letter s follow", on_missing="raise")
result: 12h41m56s
